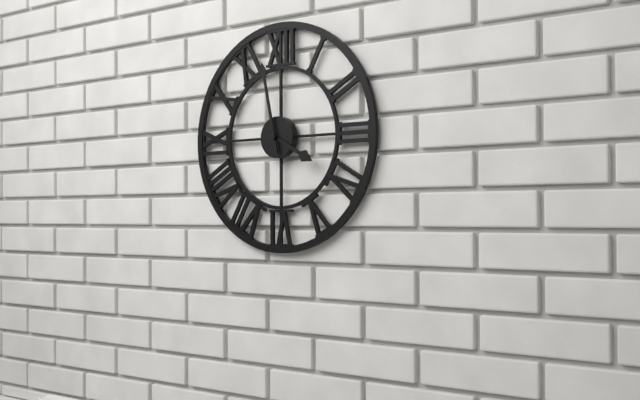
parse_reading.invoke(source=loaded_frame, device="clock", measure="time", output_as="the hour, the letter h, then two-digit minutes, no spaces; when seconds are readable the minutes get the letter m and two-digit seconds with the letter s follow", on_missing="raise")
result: 3h58
